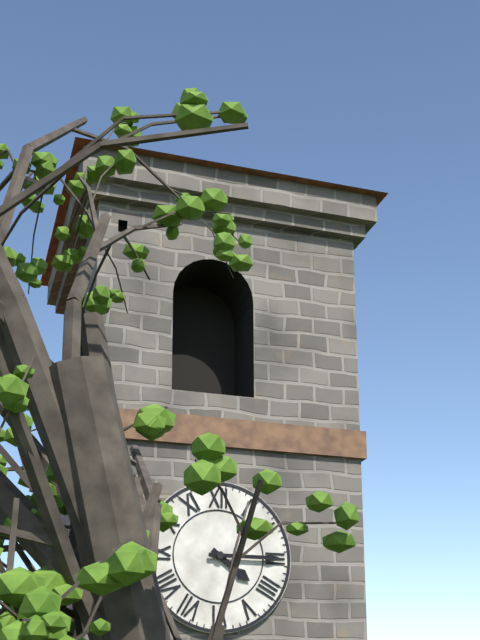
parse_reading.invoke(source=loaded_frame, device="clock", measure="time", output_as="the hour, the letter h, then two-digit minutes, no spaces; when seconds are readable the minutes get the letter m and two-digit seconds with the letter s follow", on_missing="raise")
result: 4h15
